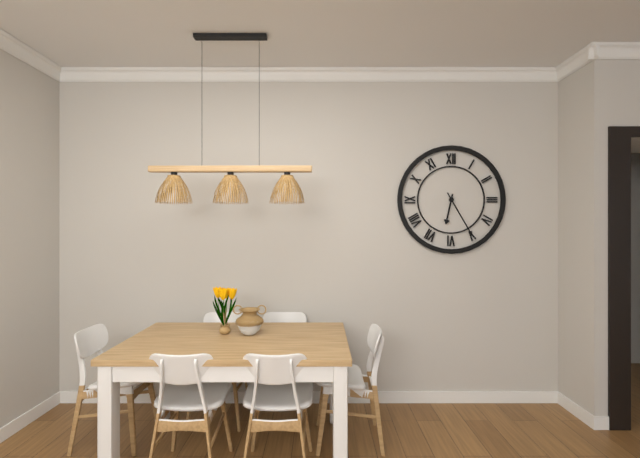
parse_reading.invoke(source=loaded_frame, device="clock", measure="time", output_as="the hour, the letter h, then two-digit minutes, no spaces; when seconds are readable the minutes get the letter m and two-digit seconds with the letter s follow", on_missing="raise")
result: 6h25
